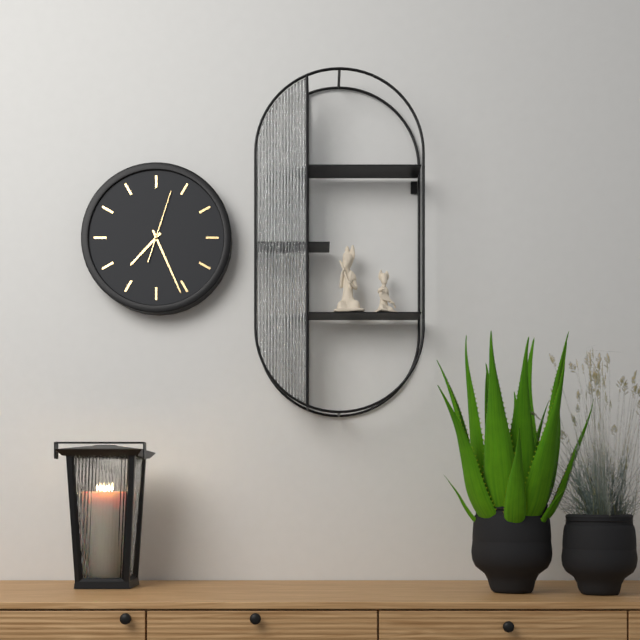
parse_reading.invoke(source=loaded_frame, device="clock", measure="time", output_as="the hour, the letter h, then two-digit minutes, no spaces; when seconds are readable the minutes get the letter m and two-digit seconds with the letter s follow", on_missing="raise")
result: 7h26m03s
